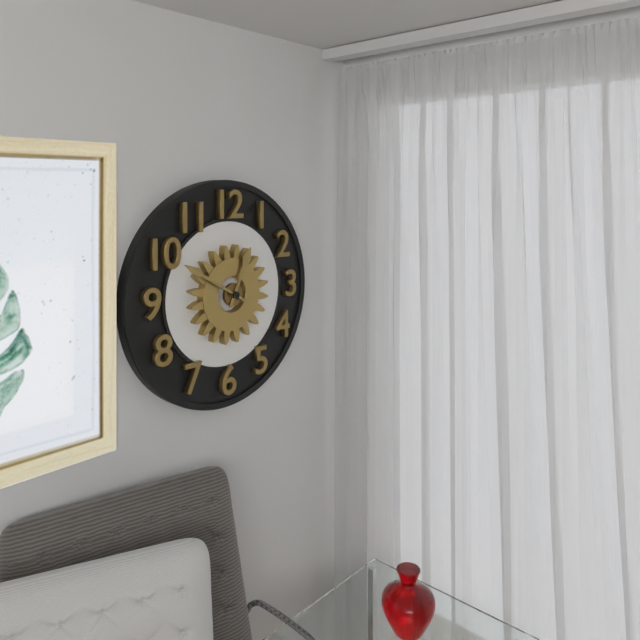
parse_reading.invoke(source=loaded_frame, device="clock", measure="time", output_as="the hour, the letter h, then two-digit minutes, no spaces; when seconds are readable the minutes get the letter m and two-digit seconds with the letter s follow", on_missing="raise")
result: 12h50
